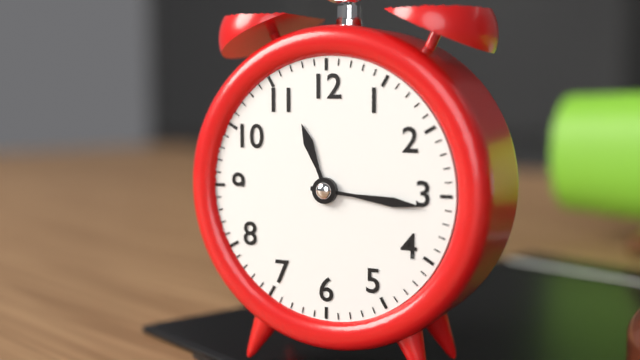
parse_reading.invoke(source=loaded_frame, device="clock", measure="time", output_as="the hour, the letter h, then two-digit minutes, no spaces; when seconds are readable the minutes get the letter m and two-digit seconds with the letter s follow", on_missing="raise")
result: 11h16
